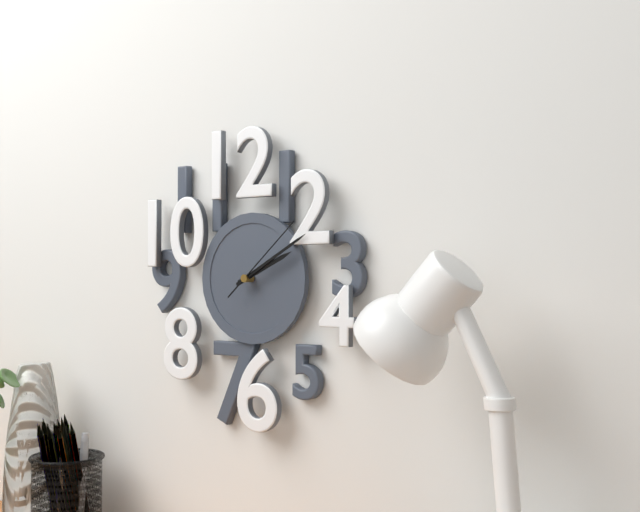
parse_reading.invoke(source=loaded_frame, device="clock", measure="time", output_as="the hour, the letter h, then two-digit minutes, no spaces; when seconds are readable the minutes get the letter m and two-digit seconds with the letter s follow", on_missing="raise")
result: 2h10m08s
